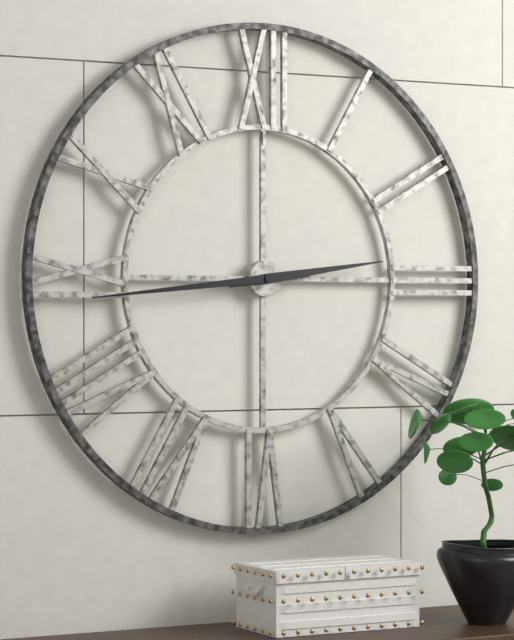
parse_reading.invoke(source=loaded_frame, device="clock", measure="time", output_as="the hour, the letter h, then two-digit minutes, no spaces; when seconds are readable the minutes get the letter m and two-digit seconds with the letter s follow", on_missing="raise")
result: 2h44
